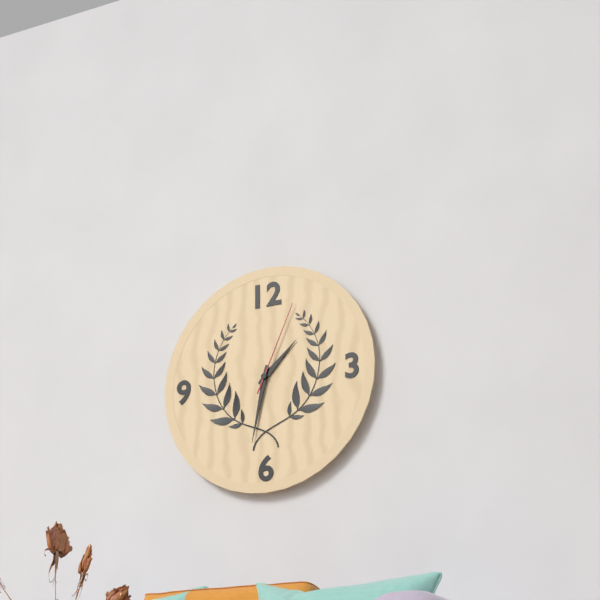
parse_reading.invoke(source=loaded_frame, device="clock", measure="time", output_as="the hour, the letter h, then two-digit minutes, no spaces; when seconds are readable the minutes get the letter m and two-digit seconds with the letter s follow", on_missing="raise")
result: 1h32m04s
